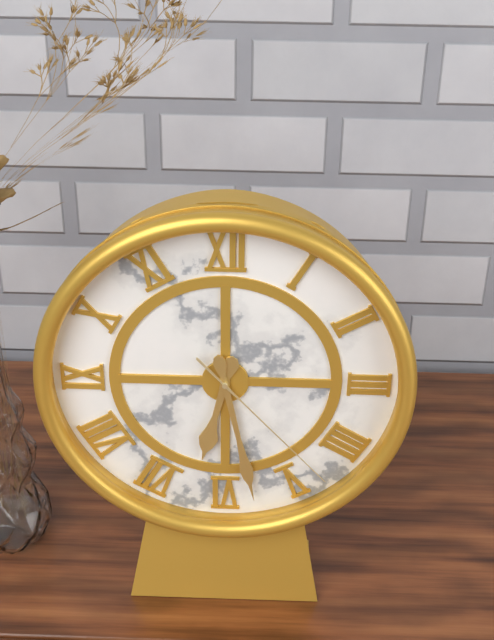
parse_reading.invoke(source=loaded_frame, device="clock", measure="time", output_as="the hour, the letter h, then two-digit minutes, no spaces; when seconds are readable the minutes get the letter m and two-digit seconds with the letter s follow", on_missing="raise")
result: 6h28m23s
